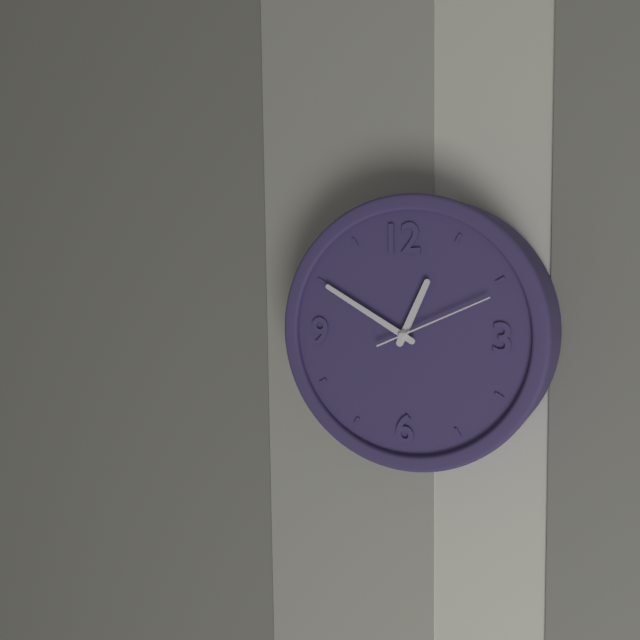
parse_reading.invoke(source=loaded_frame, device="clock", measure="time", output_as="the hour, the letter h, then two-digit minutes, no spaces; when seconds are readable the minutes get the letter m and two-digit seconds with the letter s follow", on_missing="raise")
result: 12h50m11s
